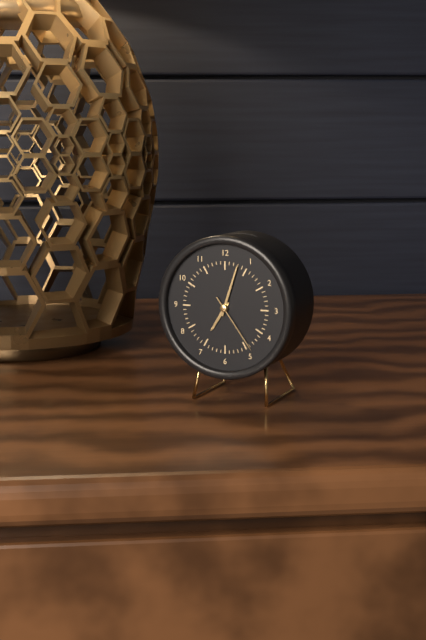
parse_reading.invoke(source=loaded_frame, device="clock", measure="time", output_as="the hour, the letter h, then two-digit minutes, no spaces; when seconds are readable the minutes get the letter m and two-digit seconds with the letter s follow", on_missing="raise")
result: 7h03m24s
